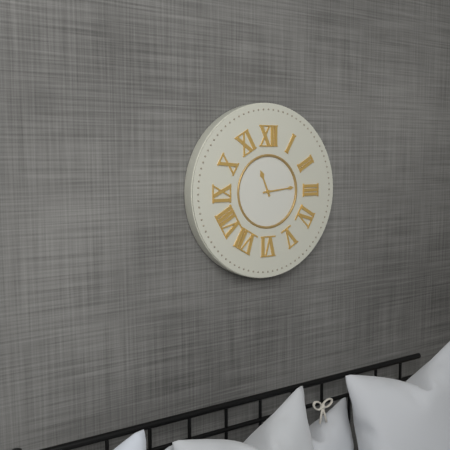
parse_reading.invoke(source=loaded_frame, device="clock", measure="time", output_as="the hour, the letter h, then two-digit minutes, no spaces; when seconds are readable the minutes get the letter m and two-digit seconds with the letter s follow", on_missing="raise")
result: 11h14
